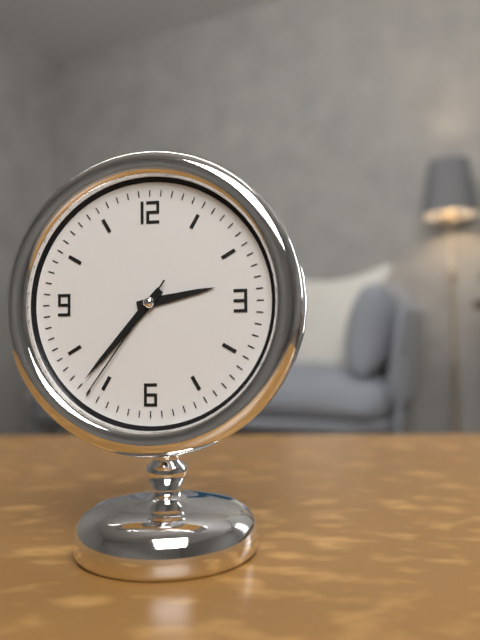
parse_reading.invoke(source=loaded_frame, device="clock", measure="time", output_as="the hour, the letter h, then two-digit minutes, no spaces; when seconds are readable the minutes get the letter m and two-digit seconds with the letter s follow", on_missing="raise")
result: 2h37m36s
